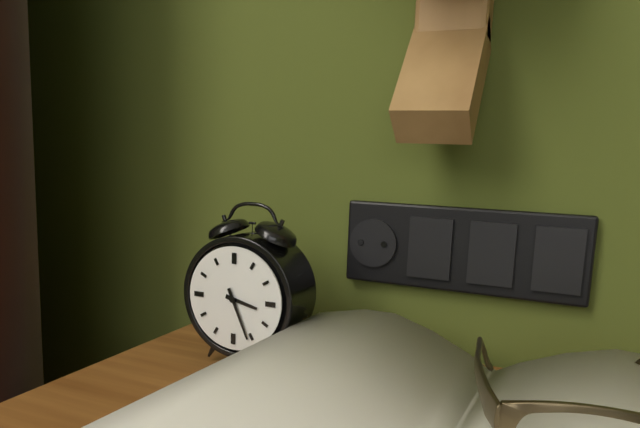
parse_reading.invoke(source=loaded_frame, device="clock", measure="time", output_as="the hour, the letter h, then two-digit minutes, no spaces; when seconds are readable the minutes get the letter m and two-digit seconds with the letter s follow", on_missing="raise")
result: 3h26
